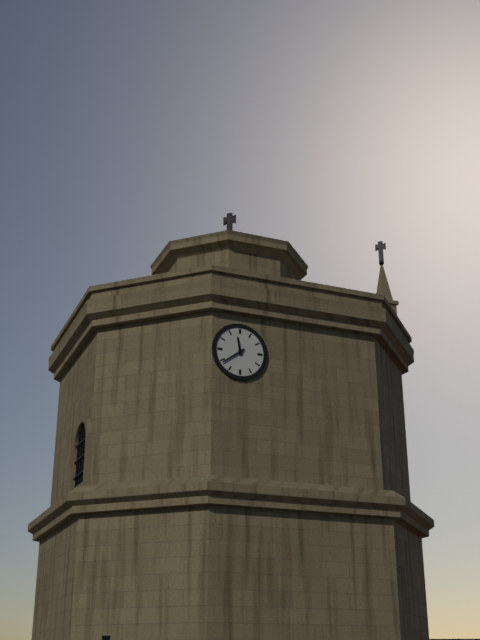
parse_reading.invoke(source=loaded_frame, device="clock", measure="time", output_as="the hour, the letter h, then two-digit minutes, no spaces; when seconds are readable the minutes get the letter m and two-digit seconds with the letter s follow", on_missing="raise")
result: 11h39
